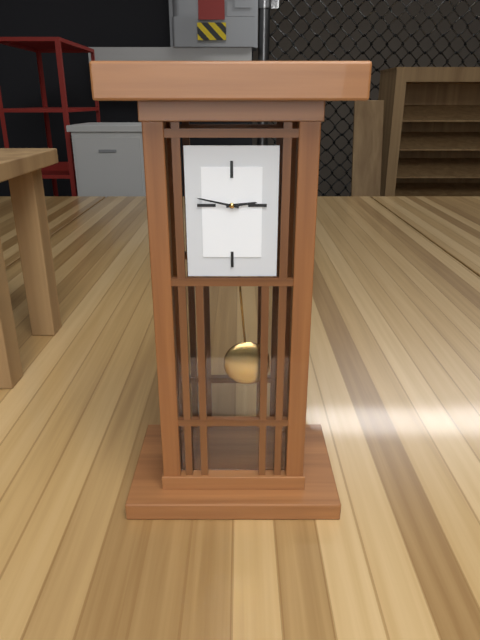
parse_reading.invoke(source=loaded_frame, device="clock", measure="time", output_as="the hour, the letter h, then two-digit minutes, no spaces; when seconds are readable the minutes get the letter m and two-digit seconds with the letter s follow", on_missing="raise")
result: 2h47
